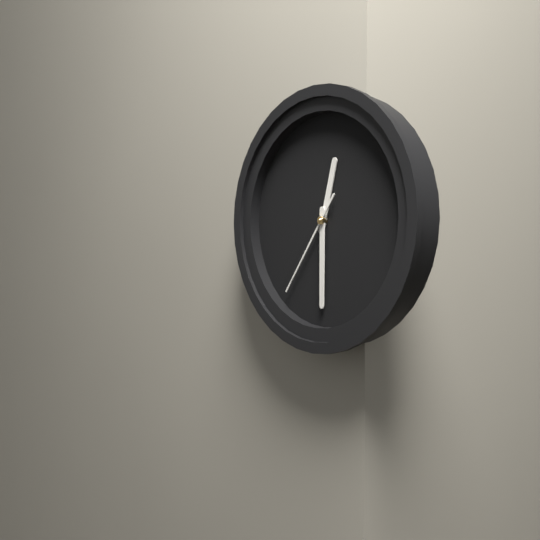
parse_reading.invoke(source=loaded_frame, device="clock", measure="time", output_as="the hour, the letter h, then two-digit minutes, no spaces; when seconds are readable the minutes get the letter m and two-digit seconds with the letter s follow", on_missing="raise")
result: 12h30m36s
